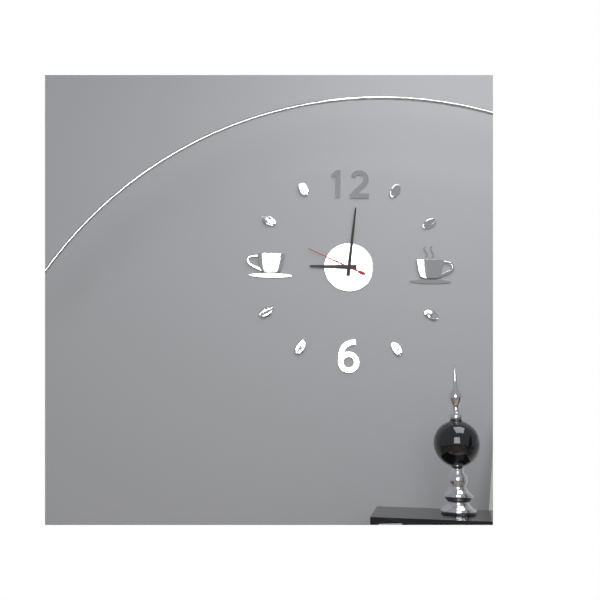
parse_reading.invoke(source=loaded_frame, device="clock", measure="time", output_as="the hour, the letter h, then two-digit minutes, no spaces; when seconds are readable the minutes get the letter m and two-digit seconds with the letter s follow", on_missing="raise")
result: 9h01m49s
